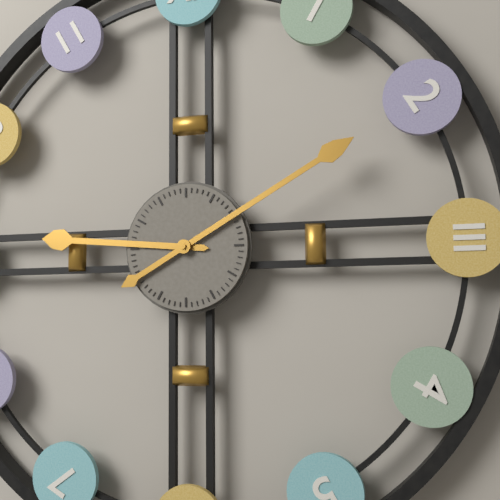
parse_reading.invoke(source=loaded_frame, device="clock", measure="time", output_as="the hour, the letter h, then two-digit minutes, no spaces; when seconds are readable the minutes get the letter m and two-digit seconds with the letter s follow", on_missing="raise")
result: 9h10
